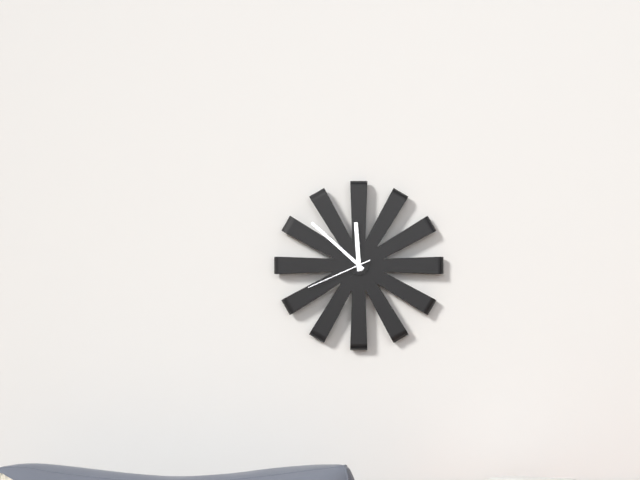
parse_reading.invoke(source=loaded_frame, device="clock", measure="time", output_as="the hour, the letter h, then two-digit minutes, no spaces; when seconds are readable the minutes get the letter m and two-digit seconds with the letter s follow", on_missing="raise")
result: 11h52m41s
